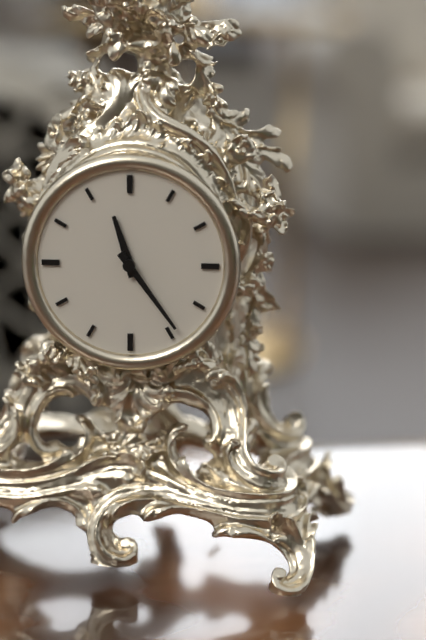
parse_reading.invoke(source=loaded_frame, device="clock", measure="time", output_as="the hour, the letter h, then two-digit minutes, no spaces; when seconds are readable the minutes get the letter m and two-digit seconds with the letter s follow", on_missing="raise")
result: 11h24
